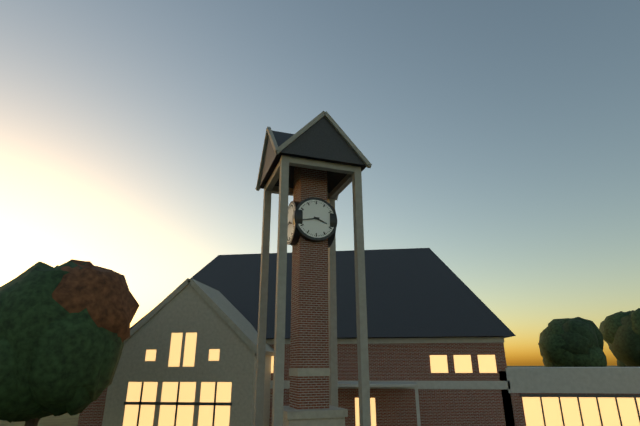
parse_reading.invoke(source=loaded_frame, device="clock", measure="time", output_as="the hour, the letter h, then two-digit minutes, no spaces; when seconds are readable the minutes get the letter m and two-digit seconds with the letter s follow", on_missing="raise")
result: 3h43
